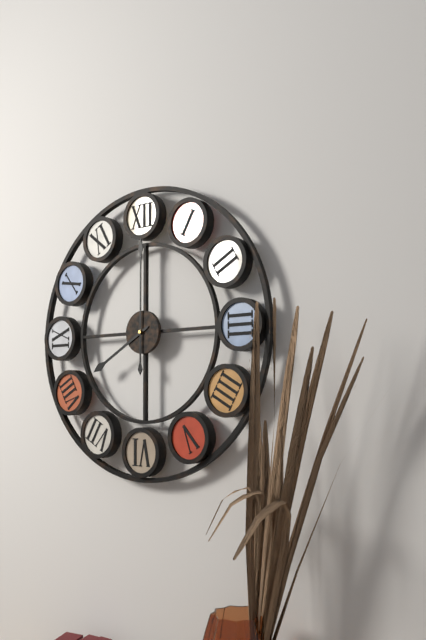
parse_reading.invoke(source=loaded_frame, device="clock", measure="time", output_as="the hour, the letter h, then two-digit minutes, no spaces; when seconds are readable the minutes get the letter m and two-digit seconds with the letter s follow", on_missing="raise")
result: 8h00
